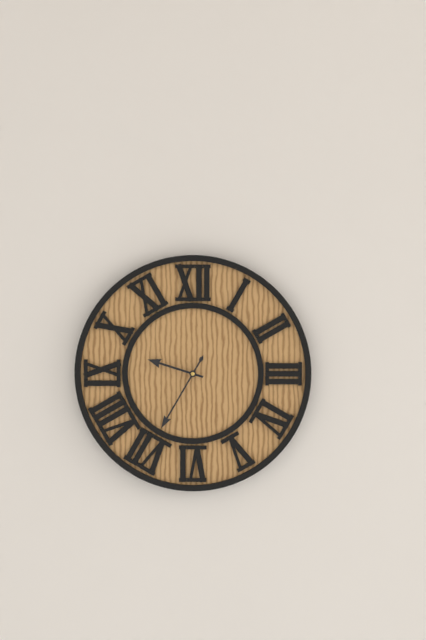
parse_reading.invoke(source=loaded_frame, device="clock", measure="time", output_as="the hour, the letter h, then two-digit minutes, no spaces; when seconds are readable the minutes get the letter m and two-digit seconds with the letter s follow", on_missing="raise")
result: 9h35
